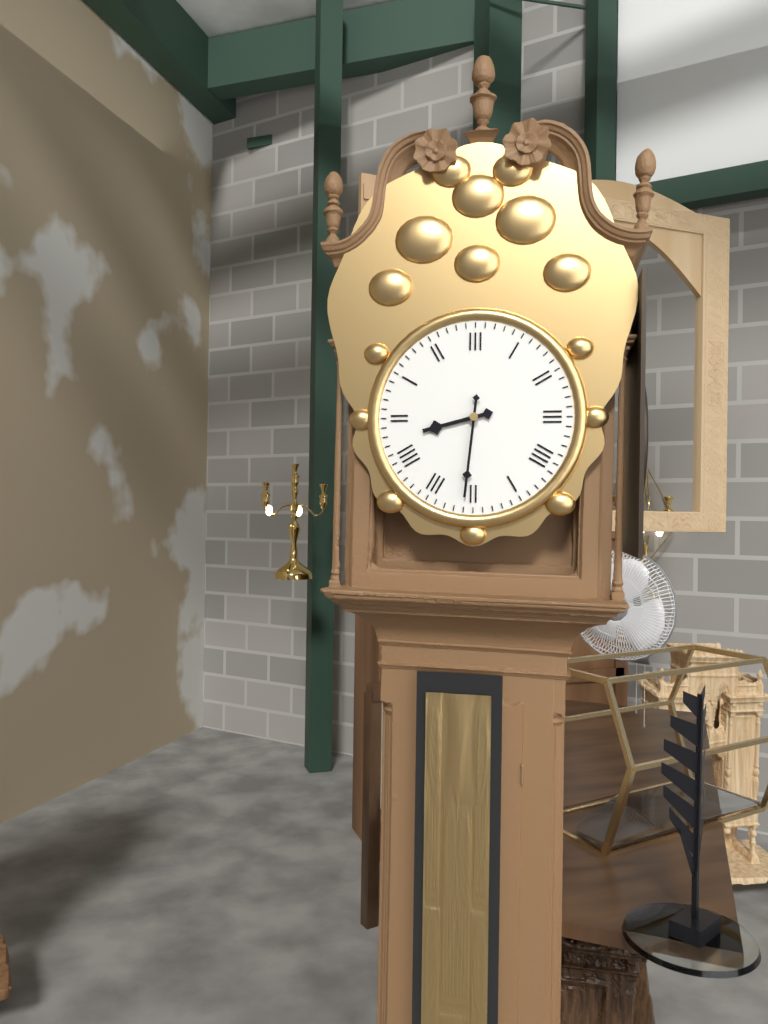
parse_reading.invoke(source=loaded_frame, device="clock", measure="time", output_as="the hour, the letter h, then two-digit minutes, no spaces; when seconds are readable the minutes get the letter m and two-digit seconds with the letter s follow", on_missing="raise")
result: 8h31
